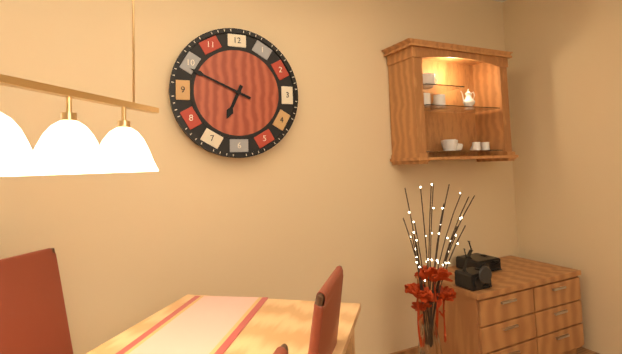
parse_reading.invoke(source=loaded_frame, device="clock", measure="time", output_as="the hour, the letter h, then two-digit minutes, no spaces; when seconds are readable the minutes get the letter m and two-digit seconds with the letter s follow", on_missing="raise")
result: 6h49
